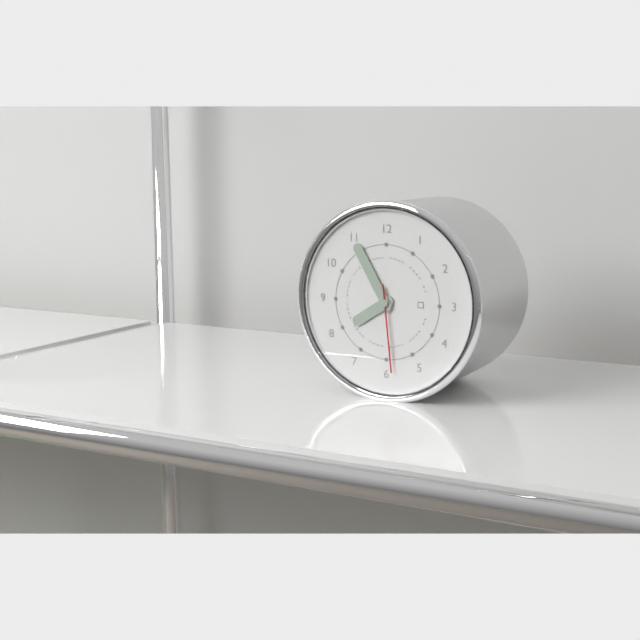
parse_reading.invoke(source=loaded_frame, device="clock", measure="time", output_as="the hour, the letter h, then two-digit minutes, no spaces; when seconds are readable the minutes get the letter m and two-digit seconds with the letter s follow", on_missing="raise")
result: 7h55m29s
